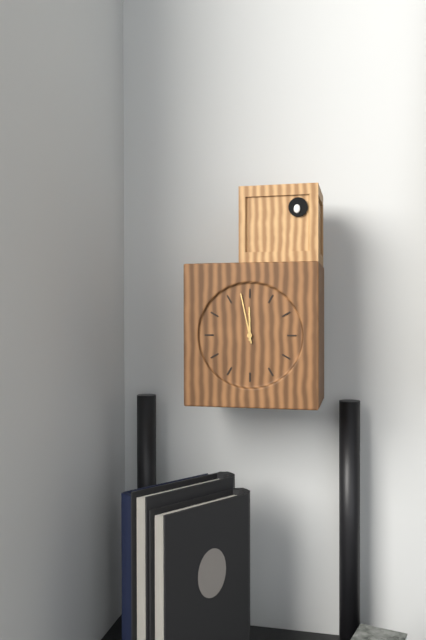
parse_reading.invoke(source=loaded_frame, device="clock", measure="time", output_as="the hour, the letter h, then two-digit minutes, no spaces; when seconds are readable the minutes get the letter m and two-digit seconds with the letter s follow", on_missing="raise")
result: 11h58
